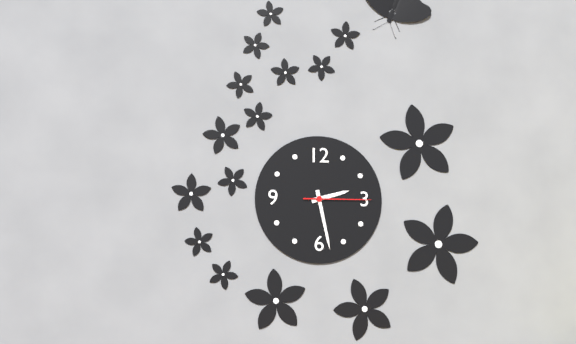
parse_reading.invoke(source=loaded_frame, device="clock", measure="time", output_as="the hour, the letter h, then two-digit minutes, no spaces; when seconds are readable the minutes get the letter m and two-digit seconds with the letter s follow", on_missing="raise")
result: 2h28m15s
